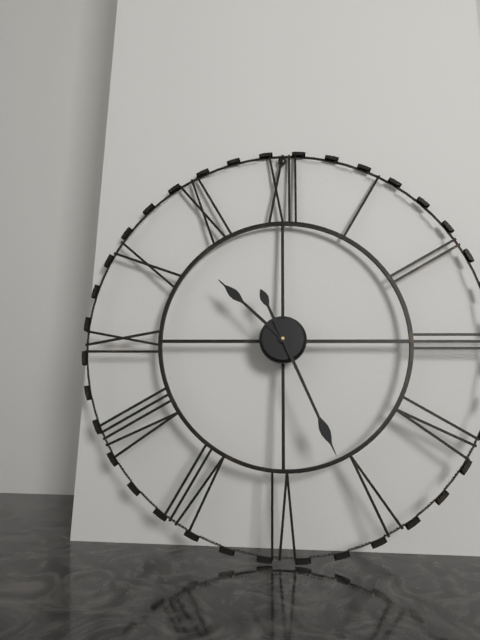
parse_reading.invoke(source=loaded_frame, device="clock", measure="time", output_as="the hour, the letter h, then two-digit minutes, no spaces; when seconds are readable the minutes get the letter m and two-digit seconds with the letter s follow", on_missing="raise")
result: 10h26
